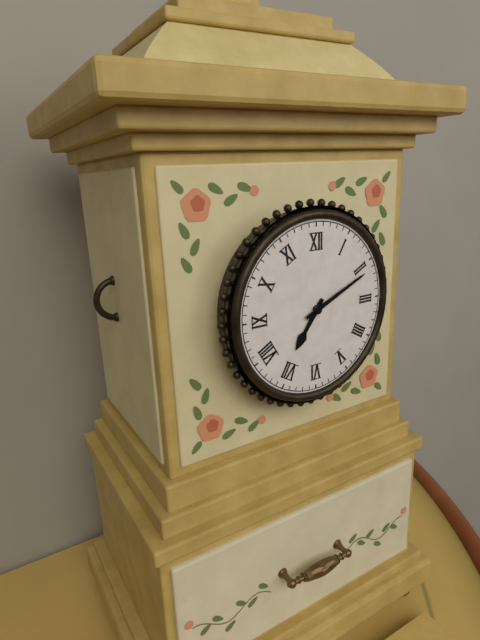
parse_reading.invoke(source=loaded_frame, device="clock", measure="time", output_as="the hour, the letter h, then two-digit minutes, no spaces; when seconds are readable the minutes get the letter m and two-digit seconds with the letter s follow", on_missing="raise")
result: 7h11
